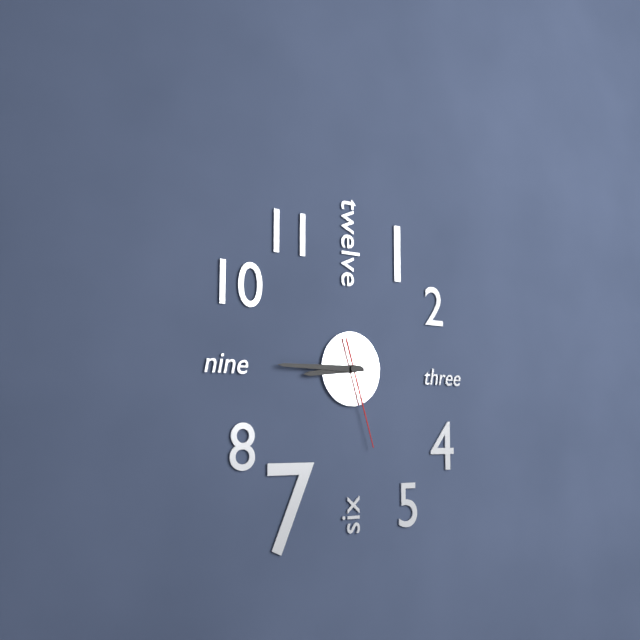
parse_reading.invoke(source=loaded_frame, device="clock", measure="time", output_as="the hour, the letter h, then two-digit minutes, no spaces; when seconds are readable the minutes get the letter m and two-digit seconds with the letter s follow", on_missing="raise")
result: 8h45m27s
